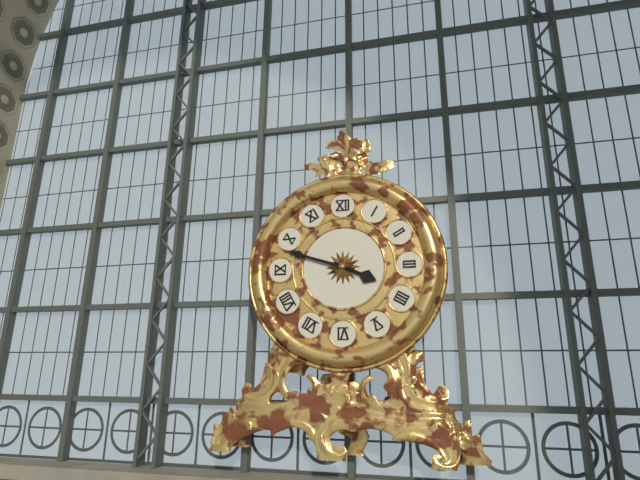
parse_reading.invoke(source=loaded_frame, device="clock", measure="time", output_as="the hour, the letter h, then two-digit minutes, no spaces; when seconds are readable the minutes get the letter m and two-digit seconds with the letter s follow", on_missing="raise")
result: 3h48
